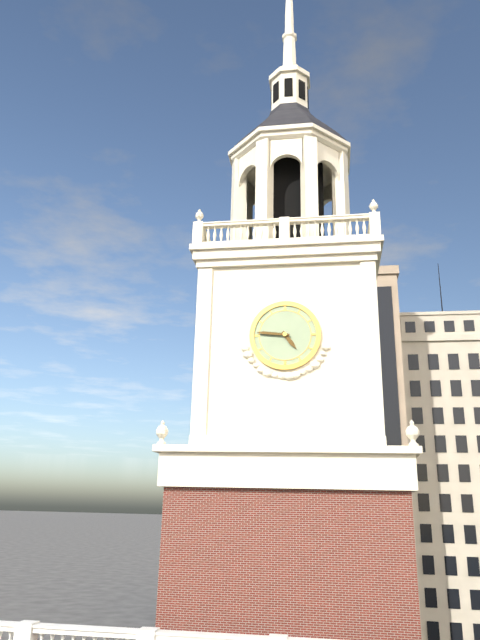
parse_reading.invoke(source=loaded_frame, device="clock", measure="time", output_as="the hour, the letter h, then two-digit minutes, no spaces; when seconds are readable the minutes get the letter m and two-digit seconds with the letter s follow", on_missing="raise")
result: 4h46
